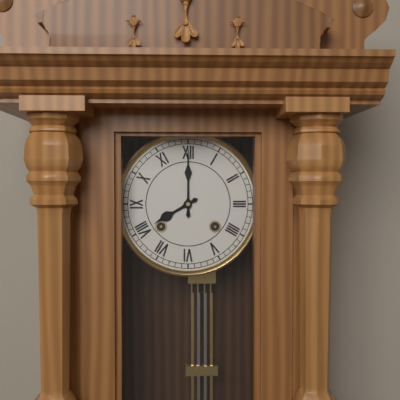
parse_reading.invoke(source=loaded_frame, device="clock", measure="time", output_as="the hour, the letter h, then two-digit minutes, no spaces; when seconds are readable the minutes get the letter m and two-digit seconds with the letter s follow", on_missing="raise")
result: 8h00
